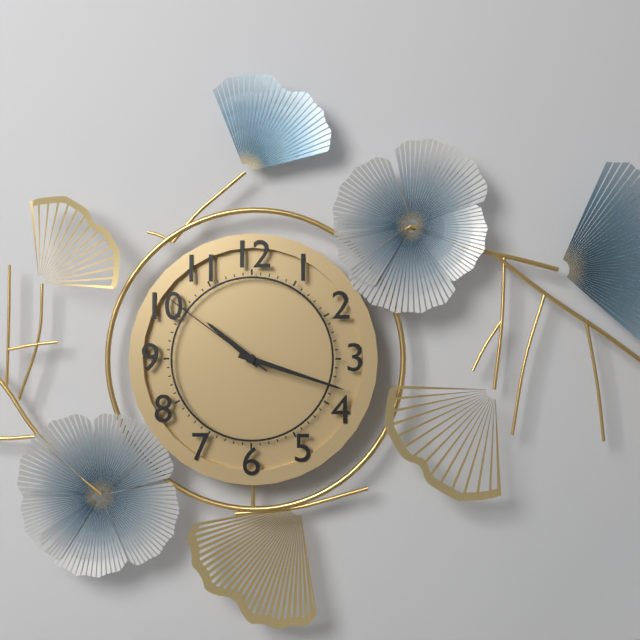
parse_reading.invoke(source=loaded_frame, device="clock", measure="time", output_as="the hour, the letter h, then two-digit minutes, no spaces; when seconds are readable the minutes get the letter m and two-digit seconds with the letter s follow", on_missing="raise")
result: 10h18m51s
